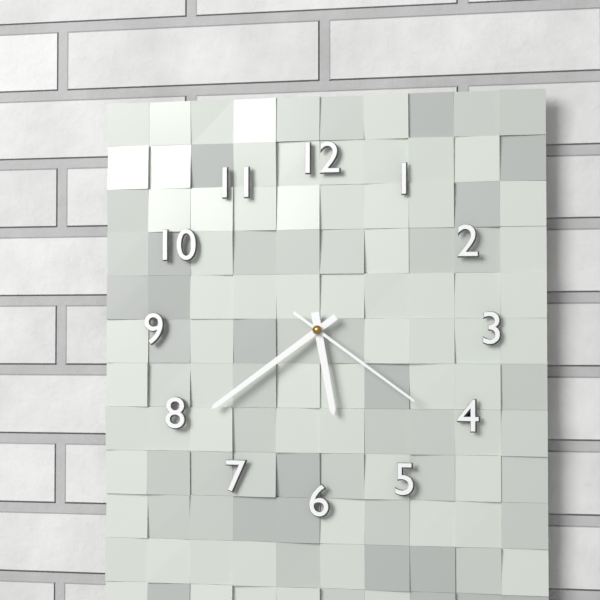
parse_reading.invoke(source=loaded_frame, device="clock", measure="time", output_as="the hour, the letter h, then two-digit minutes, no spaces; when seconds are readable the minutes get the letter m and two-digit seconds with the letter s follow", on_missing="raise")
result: 5h39m21s
